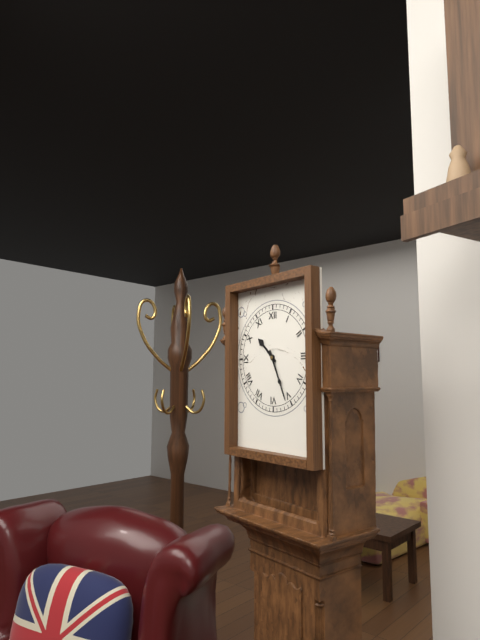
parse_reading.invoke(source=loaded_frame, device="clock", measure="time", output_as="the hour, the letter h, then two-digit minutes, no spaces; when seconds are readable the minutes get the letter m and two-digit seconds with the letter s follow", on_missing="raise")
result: 10h26
